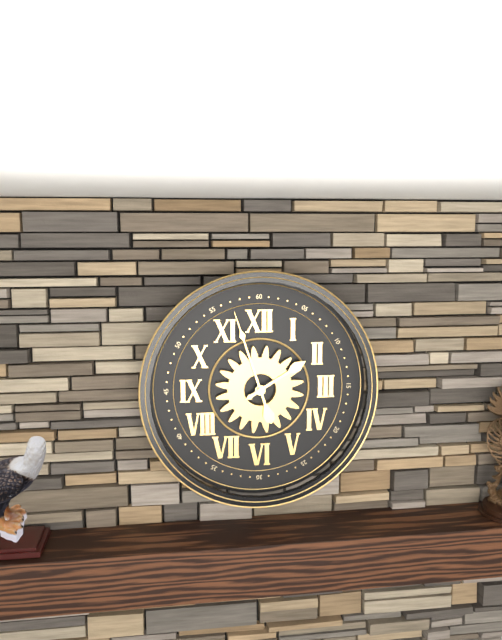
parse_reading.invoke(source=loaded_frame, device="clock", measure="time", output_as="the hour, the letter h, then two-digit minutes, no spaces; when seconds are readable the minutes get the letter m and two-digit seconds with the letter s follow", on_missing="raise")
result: 1h57
